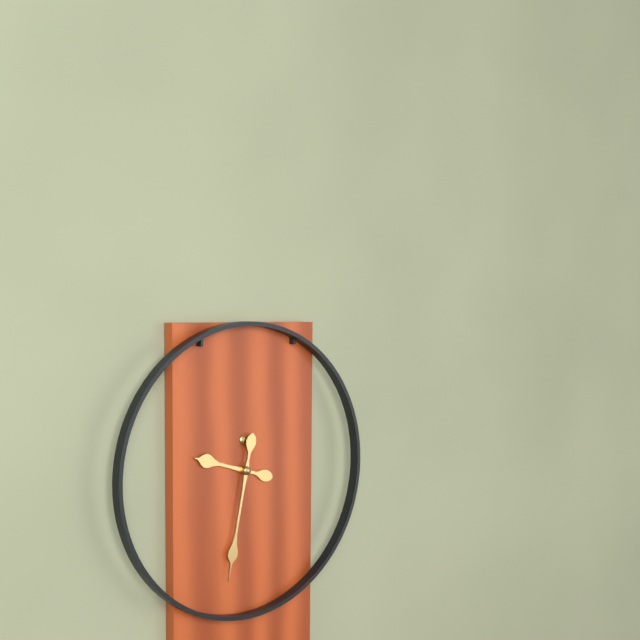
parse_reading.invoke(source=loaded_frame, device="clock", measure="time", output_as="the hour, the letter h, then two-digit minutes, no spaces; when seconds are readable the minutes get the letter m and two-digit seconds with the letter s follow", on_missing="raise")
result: 9h32
